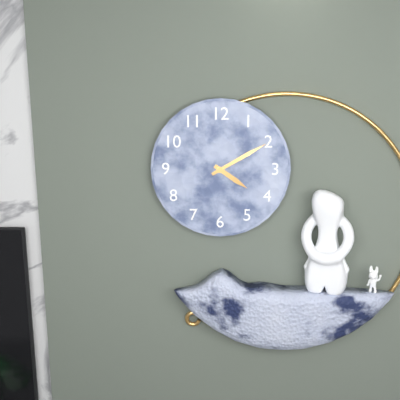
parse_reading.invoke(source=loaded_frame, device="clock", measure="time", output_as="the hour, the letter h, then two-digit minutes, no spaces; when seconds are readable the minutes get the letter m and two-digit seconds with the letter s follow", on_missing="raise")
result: 4h10
